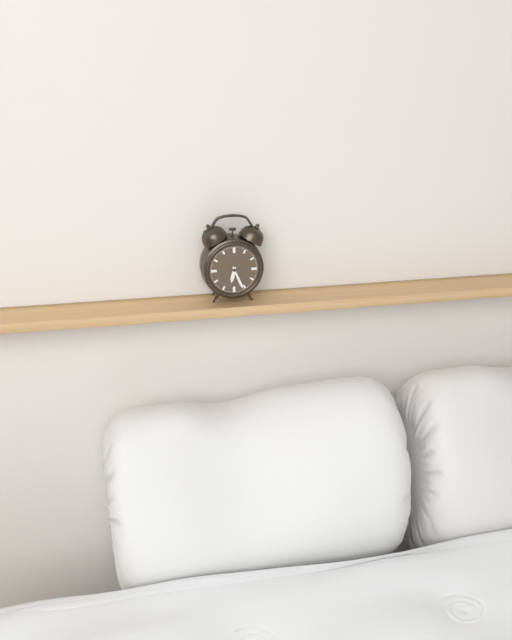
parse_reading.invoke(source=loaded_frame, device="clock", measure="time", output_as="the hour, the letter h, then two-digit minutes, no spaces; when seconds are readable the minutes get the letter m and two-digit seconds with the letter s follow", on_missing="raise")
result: 6h26
